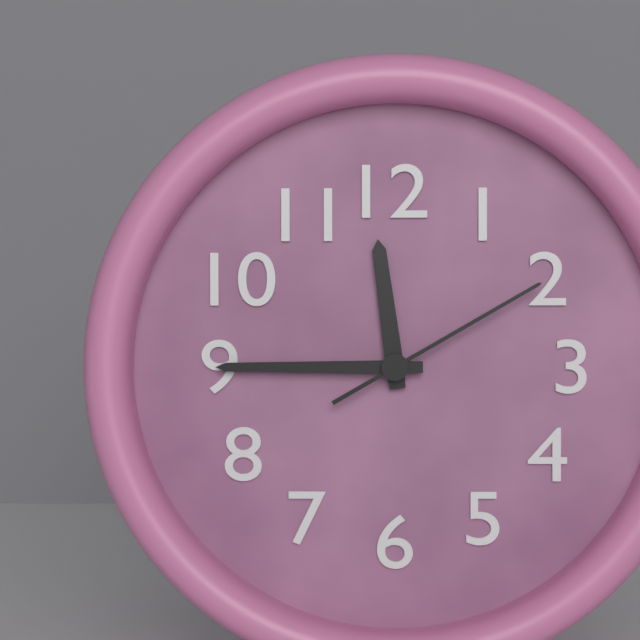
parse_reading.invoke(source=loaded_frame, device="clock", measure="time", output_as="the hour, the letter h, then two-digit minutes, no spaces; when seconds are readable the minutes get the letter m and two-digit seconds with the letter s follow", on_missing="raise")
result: 11h45m10s
